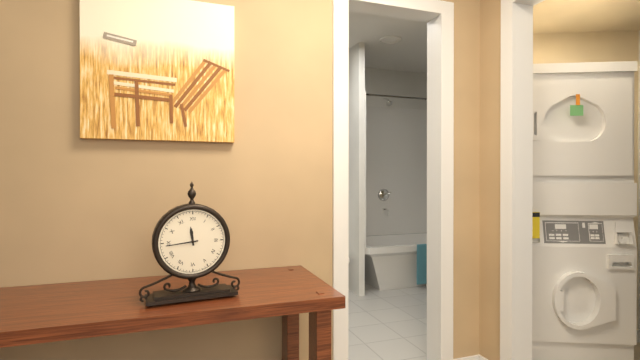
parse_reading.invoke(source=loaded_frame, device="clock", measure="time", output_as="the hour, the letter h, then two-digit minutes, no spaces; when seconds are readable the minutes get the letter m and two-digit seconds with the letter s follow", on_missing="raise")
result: 11h44
